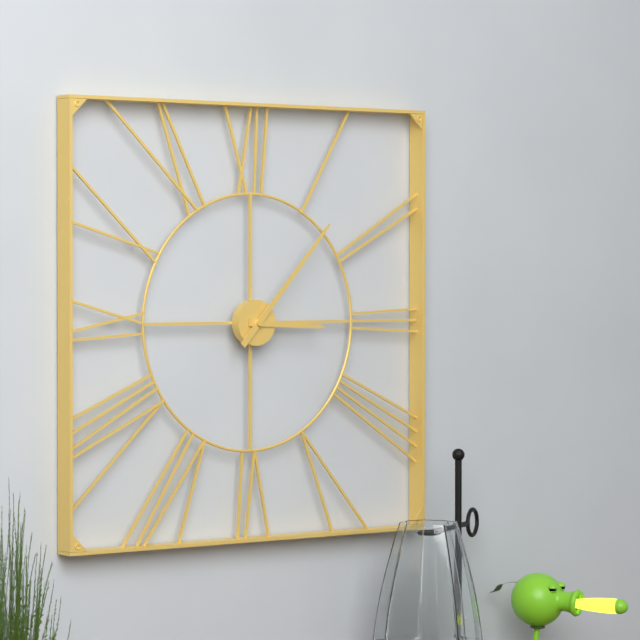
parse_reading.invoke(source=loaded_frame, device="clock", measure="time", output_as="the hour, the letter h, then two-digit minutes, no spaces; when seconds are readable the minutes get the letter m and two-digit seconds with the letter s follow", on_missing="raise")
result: 3h07
